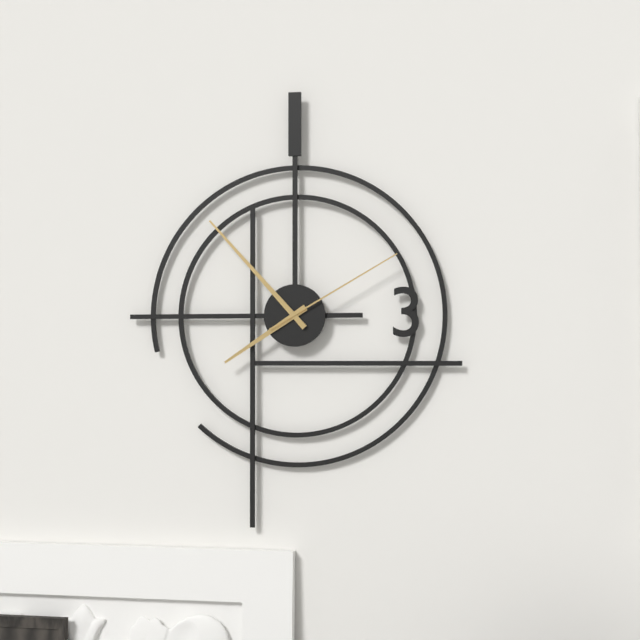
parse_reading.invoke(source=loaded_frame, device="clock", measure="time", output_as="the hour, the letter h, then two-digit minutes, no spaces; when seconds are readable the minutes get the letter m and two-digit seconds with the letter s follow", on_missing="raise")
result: 7h53m10s
